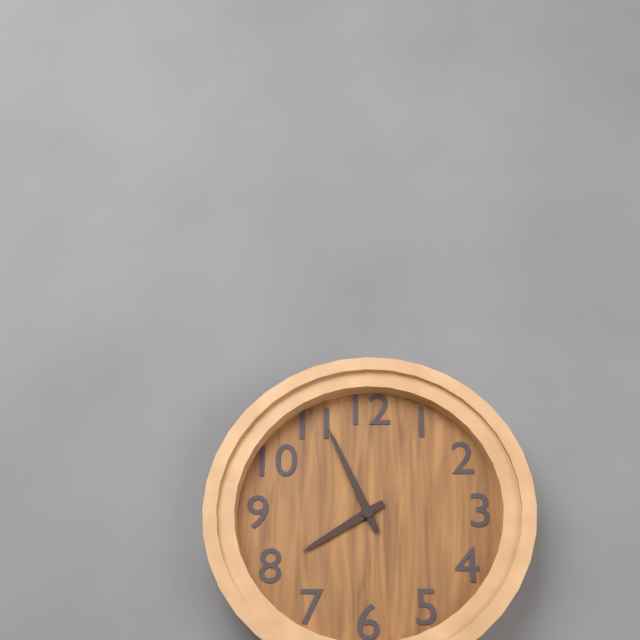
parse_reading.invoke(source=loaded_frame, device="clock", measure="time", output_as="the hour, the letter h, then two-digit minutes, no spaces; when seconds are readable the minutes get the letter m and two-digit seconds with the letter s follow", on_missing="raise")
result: 7h56
